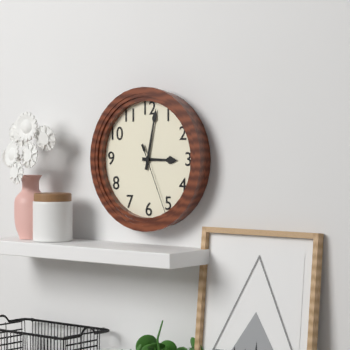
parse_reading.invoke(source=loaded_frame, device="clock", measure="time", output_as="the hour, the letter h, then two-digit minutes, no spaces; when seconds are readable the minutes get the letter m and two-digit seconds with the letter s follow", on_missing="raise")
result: 3h02m26s
